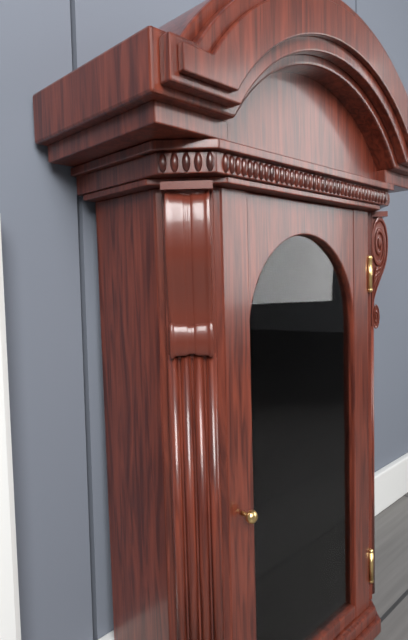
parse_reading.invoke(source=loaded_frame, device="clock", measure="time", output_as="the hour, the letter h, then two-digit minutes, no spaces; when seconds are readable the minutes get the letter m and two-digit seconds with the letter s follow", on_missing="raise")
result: 10h15
